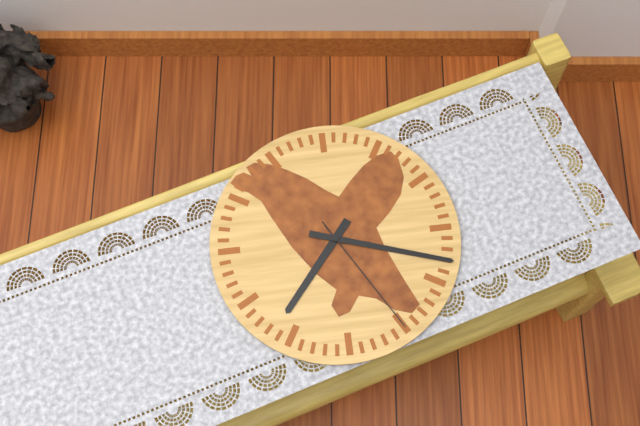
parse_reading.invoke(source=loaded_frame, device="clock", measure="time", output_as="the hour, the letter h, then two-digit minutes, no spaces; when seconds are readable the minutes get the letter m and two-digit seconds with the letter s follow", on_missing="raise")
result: 7h18m25s
